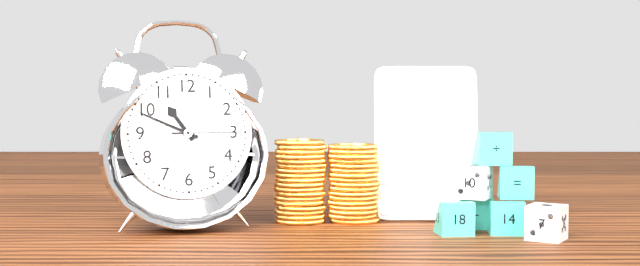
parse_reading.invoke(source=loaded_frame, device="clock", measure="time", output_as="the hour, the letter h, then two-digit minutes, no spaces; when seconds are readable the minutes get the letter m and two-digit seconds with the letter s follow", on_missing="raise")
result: 10h49m15s
